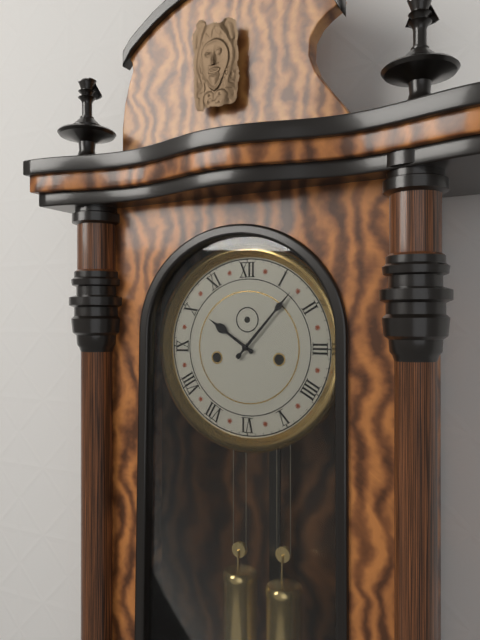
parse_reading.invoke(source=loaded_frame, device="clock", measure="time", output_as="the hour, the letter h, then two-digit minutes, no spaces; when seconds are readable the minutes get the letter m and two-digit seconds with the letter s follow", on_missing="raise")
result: 10h07
